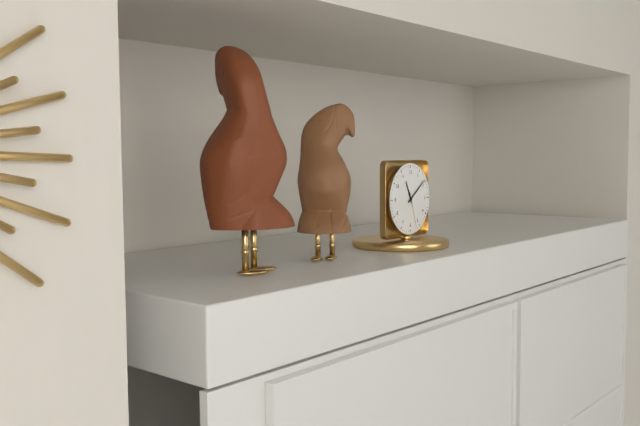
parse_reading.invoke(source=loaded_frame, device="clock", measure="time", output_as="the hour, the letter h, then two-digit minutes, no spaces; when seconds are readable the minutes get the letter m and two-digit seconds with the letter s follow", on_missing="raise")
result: 11h09
